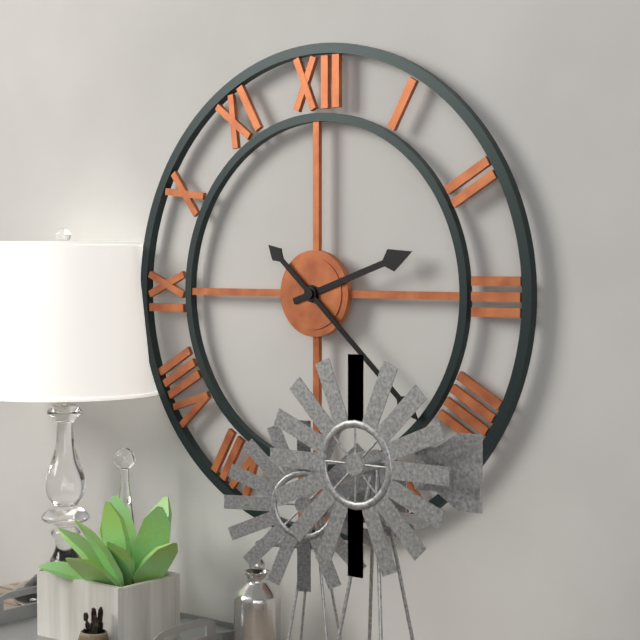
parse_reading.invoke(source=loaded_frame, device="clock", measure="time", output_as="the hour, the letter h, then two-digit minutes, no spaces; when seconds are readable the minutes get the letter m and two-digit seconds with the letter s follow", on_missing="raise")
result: 2h22
